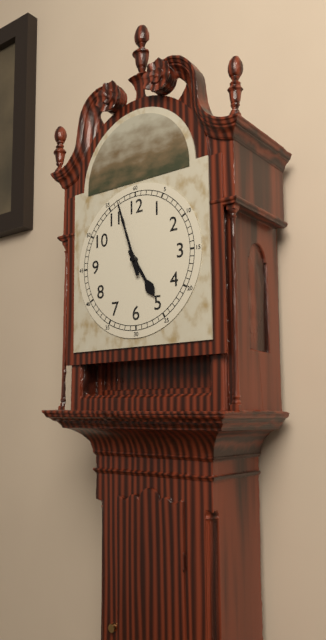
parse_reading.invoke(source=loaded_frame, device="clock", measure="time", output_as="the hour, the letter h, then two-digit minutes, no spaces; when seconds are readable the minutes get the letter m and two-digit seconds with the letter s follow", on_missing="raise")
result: 4h57
